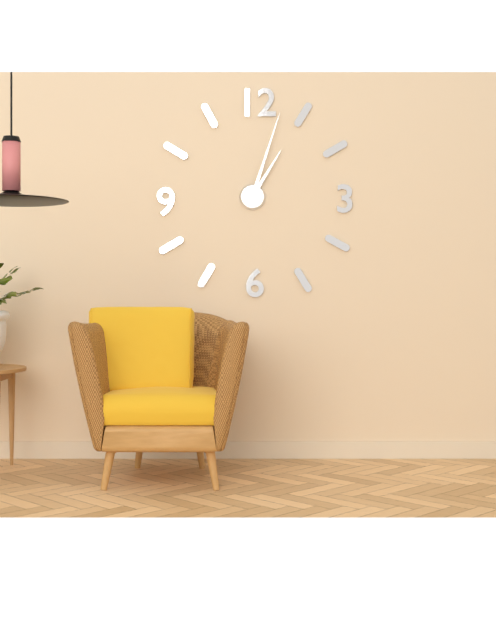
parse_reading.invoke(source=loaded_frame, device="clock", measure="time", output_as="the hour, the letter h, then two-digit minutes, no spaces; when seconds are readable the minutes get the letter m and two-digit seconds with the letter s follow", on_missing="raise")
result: 1h03
